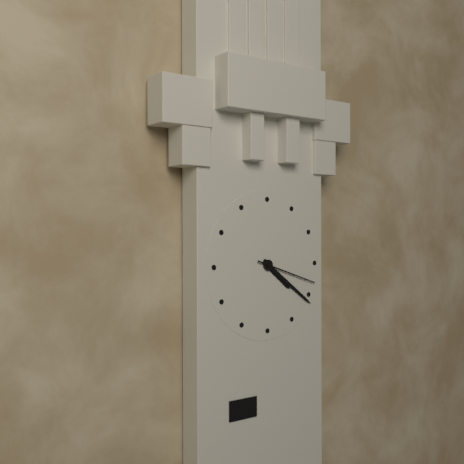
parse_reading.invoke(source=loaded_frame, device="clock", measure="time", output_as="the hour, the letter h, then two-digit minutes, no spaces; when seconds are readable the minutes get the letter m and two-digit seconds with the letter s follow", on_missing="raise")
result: 4h21m18s
